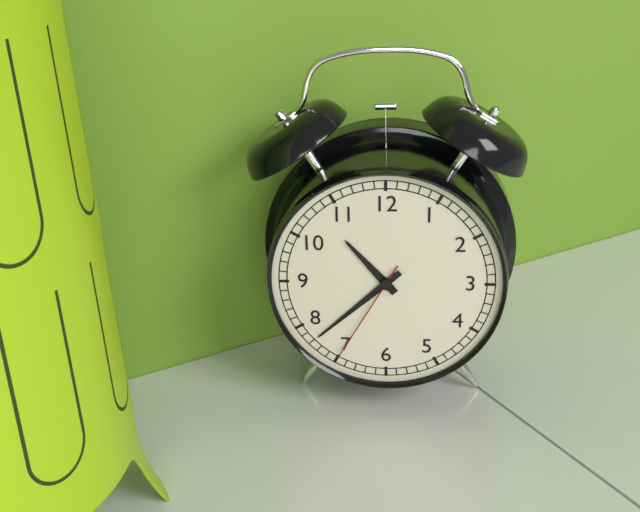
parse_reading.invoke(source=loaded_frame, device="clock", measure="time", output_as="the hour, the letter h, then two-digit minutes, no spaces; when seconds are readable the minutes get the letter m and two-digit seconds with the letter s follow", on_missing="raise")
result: 10h38m35s
